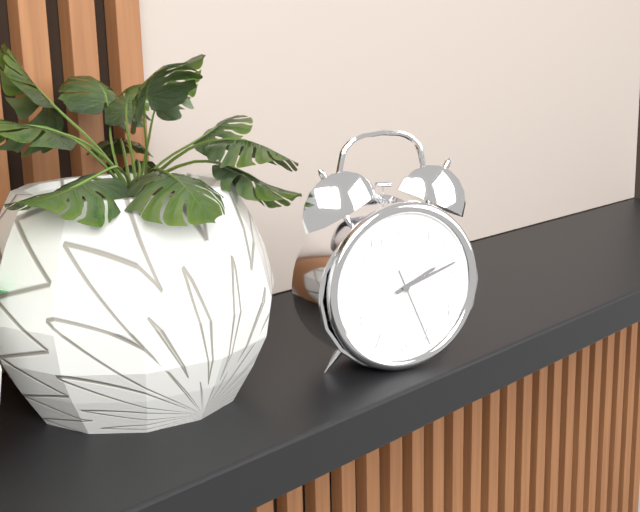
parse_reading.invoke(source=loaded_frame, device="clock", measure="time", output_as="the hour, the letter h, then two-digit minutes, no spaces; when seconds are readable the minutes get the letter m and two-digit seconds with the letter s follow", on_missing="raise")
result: 2h12m26s
